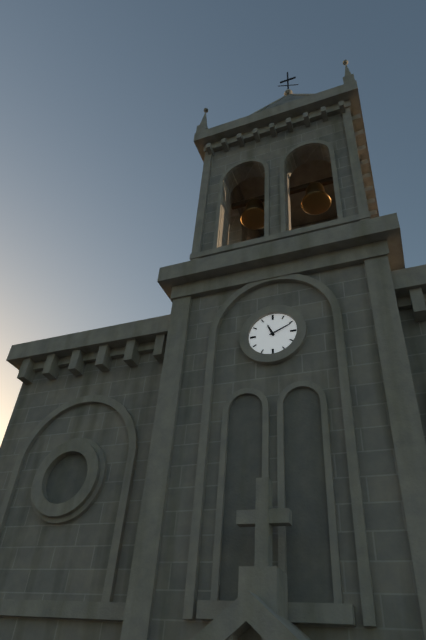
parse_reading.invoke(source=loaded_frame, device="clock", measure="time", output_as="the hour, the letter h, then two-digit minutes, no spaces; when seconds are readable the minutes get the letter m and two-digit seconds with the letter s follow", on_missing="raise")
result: 11h11
